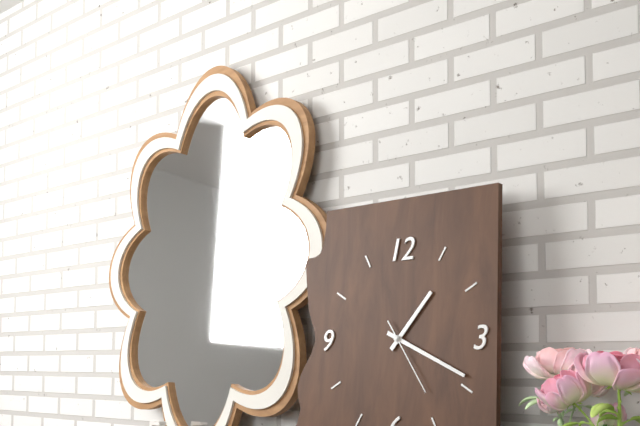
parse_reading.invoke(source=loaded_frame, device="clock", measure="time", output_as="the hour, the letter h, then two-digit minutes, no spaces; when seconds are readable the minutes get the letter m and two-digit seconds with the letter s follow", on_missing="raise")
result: 1h19m24s
